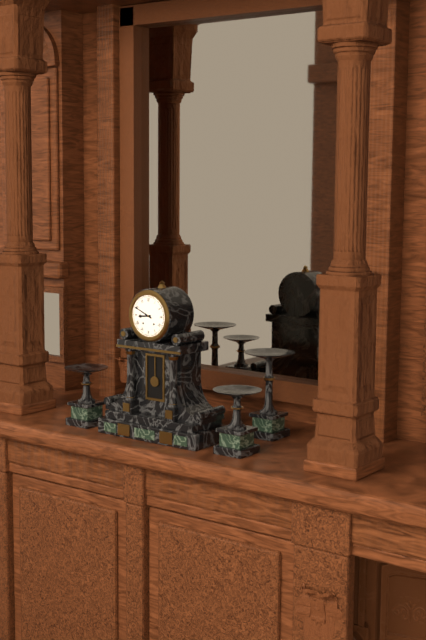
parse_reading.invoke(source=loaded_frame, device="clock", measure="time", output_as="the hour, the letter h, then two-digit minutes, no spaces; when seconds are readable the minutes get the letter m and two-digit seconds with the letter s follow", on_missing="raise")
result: 8h49
